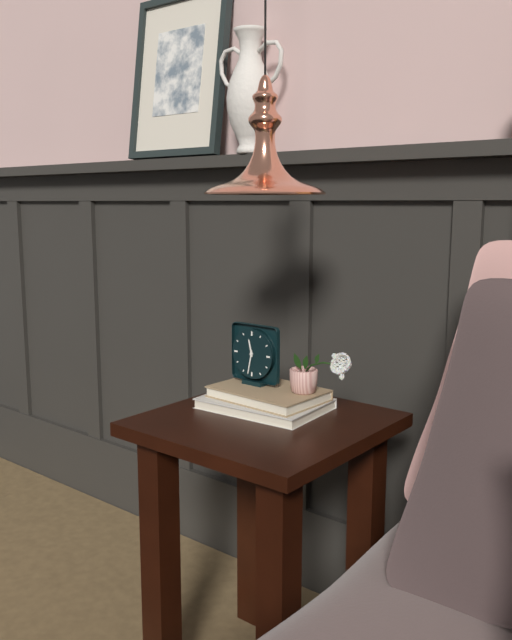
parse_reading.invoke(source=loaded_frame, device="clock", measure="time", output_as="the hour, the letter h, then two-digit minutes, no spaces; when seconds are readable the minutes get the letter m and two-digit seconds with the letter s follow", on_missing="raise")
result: 11h32
